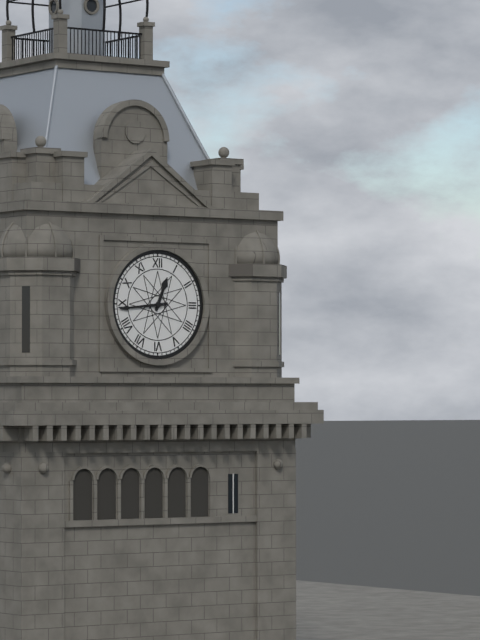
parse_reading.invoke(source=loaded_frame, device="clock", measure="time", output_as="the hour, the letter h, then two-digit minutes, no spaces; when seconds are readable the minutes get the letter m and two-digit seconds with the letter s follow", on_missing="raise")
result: 12h44
